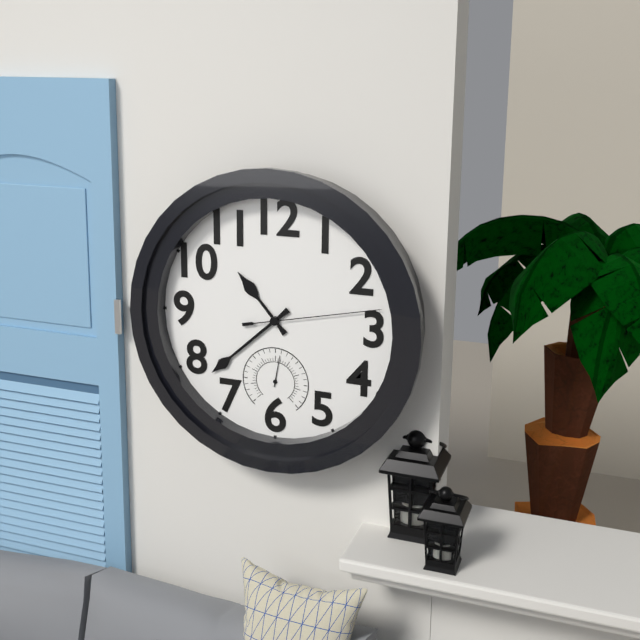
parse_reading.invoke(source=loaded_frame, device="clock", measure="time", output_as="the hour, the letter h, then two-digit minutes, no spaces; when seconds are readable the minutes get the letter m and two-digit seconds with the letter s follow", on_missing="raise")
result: 10h38m13s
